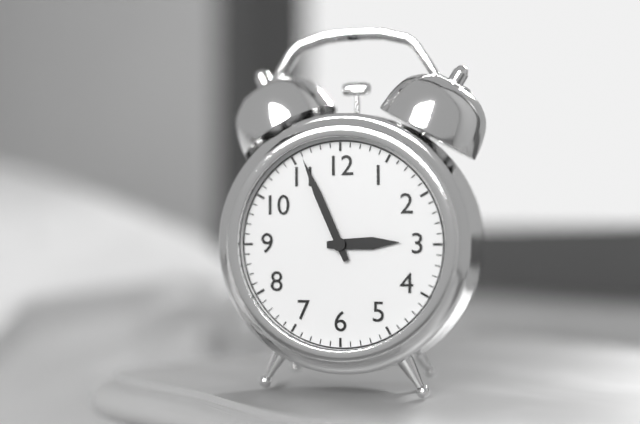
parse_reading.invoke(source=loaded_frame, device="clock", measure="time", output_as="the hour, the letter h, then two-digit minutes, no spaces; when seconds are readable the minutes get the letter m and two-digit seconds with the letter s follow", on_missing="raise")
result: 2h56
